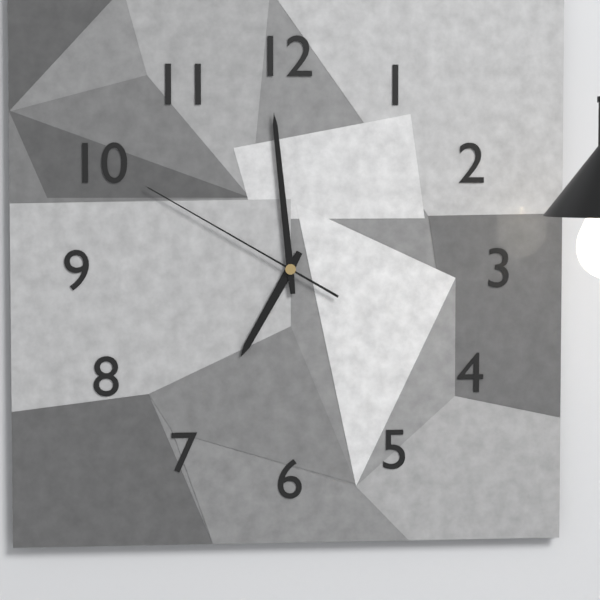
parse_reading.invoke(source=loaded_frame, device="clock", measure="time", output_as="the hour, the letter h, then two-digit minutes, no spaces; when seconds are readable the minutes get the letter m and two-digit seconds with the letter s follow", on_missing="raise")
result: 6h59m50s
